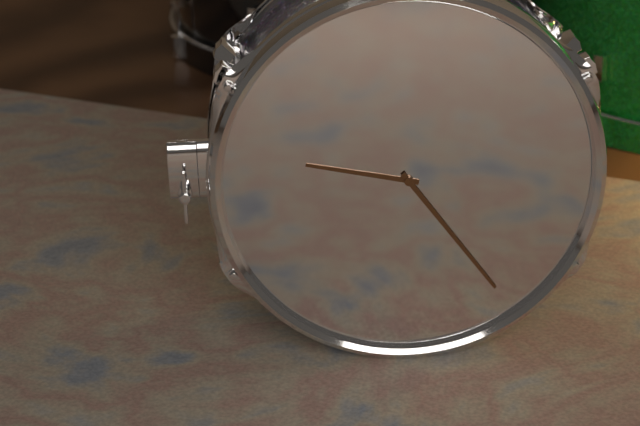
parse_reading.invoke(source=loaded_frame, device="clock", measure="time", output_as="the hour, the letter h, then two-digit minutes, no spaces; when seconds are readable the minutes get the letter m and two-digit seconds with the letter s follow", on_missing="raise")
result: 9h24
